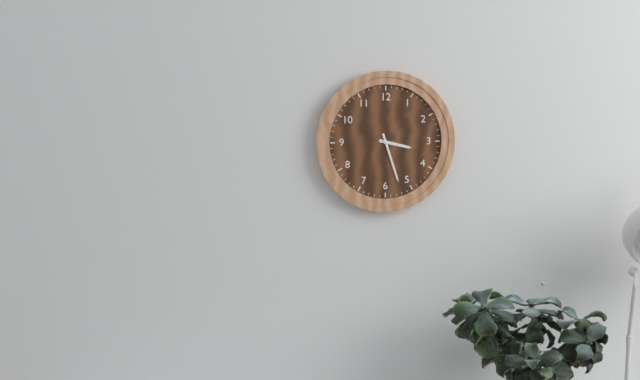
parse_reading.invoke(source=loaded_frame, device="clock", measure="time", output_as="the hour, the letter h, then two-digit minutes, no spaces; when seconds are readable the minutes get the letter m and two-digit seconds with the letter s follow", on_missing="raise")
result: 3h27
